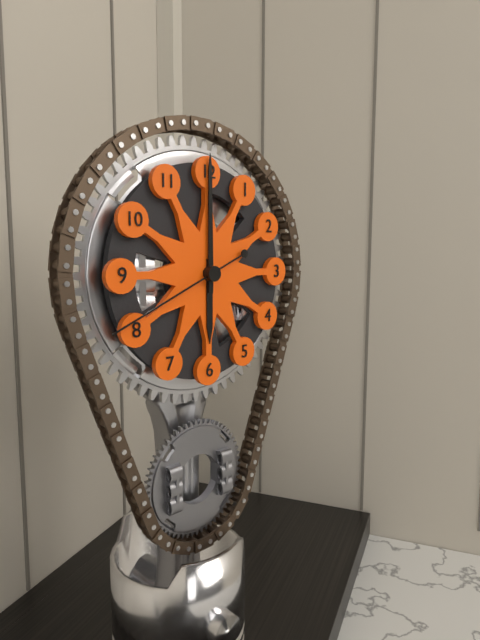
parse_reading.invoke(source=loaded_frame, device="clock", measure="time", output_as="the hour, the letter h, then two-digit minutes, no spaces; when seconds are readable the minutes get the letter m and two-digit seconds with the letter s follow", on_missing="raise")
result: 6h00m41s
